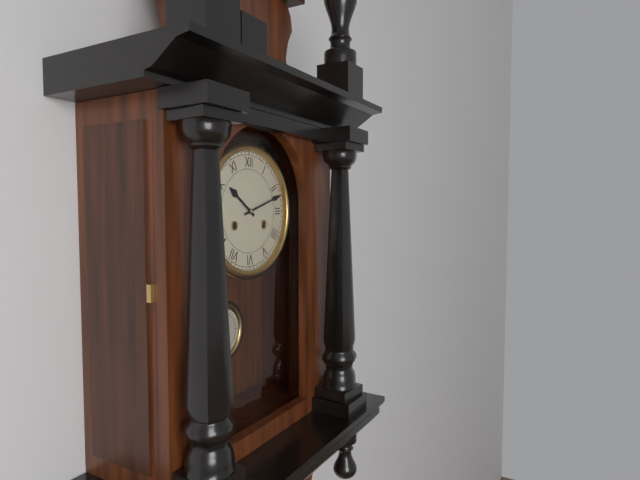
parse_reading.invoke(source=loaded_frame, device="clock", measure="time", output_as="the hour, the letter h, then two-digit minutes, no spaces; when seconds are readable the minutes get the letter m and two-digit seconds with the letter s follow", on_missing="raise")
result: 10h12
